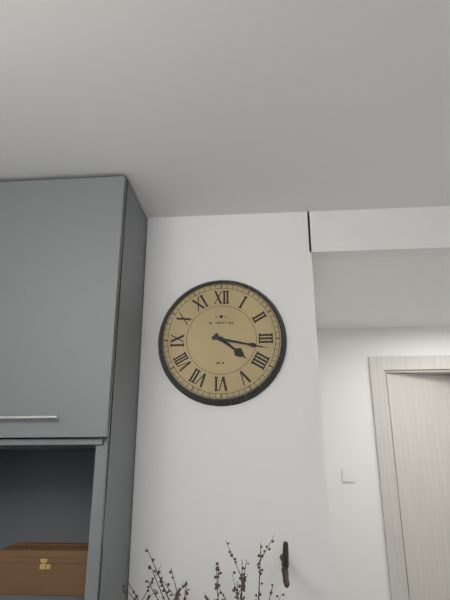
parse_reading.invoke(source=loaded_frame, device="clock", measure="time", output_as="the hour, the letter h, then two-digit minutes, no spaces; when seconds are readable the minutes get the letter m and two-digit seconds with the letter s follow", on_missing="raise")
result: 4h17
